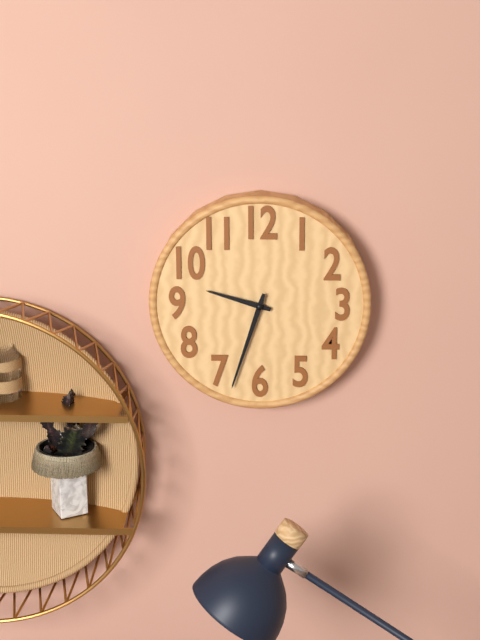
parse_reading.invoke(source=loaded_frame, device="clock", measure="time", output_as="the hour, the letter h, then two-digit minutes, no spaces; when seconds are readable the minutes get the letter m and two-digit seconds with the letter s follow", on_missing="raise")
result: 9h33
